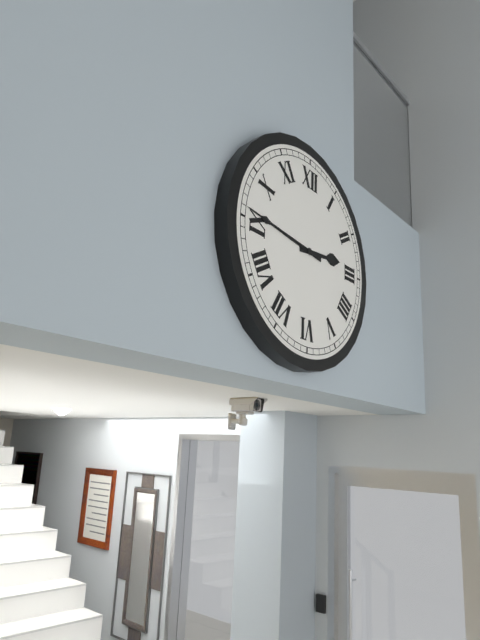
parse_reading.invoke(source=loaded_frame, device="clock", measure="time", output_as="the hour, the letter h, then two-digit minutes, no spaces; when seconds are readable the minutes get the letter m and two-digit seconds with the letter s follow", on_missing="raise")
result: 2h46
